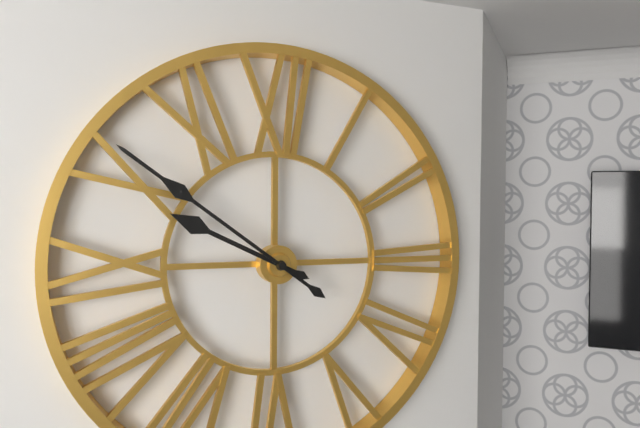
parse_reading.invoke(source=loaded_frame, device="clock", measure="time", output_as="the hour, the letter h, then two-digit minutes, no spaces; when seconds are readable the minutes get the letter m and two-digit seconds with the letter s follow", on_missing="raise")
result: 9h51
